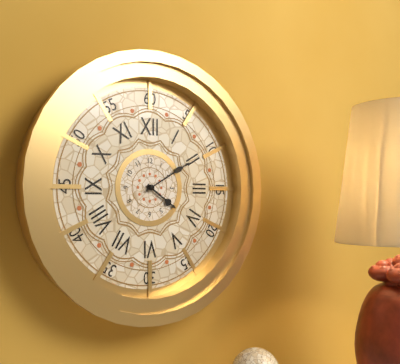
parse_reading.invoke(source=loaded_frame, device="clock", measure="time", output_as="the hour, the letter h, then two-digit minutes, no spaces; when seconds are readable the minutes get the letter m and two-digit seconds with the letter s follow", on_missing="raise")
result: 4h10
